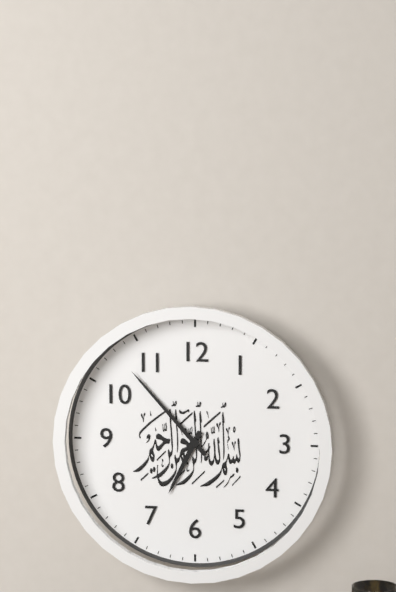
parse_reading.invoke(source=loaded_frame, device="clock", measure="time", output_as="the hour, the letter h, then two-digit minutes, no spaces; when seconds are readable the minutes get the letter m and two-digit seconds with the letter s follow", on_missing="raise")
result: 6h53
